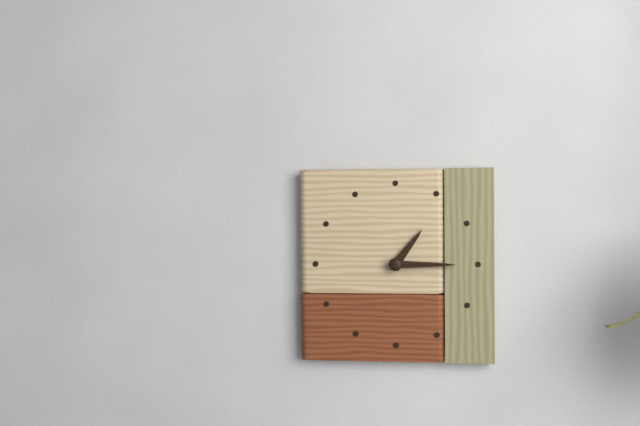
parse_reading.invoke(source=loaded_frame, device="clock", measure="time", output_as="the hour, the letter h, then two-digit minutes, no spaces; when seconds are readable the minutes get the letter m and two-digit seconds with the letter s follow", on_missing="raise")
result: 1h15
